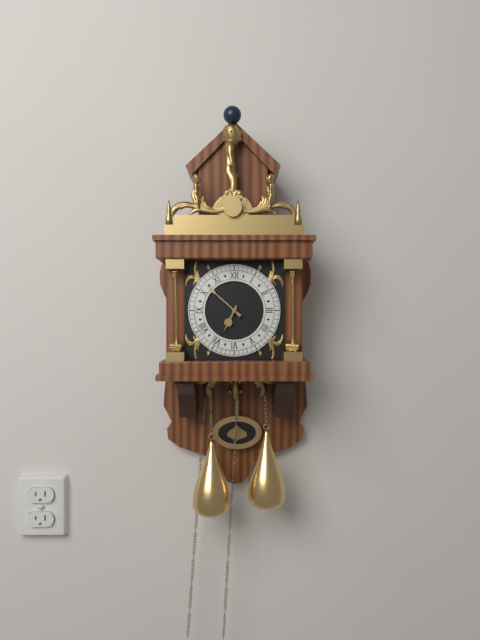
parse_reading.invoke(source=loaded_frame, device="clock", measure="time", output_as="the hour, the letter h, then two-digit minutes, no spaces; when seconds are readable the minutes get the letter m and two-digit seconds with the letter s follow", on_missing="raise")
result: 6h52
